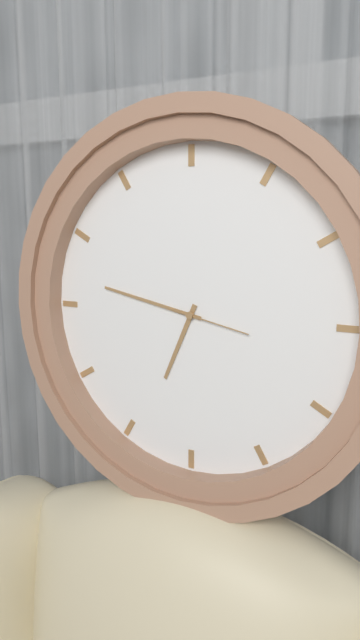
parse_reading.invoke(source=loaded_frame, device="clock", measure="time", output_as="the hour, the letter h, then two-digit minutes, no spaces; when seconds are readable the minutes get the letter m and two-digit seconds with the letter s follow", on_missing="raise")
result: 6h47m17s
